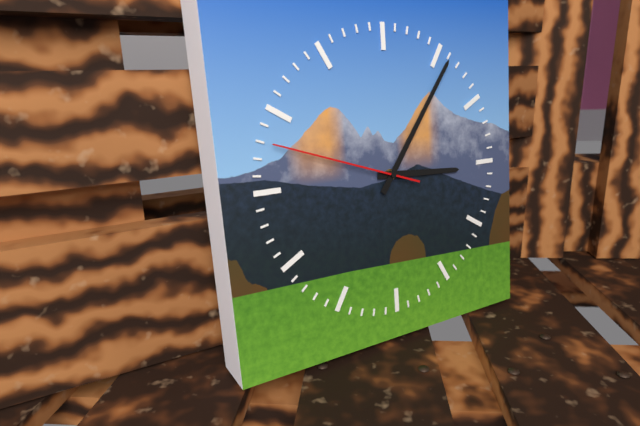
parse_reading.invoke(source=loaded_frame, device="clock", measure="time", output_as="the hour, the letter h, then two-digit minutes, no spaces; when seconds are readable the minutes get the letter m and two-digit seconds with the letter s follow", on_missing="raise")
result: 3h06m48s
